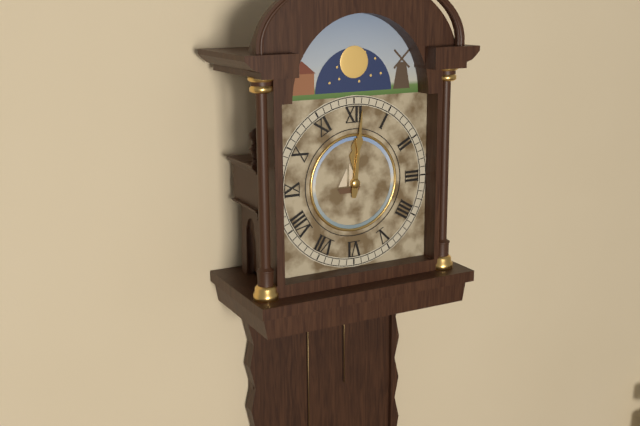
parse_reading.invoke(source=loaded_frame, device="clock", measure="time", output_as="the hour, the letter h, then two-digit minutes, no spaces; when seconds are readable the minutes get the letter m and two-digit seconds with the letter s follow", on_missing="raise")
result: 12h01
